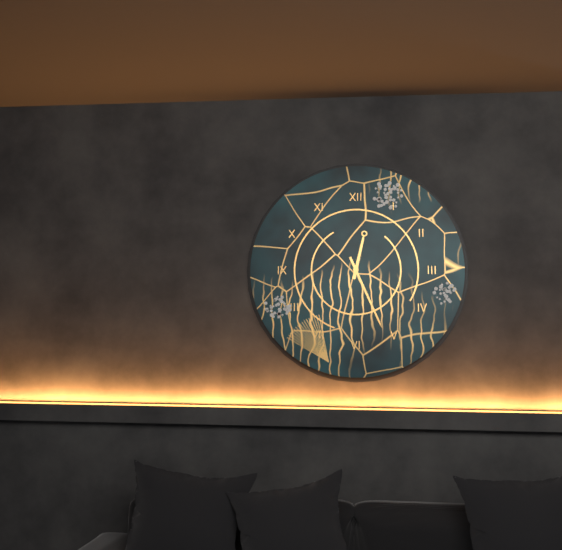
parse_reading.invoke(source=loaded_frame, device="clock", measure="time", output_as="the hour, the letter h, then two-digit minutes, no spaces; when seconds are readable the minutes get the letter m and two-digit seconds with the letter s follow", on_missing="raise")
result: 12h26
